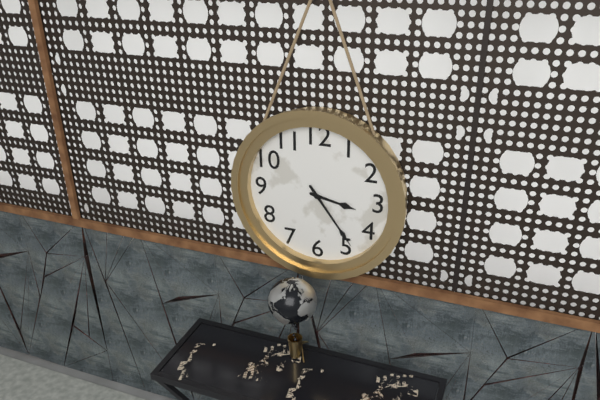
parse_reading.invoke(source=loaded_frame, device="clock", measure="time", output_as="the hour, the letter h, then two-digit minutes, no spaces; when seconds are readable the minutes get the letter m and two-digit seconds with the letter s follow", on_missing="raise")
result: 3h24
